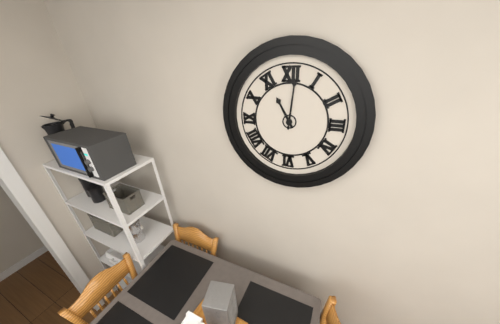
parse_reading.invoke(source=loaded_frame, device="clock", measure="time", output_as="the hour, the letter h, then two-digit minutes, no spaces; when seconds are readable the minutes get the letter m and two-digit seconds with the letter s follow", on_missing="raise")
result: 11h01
